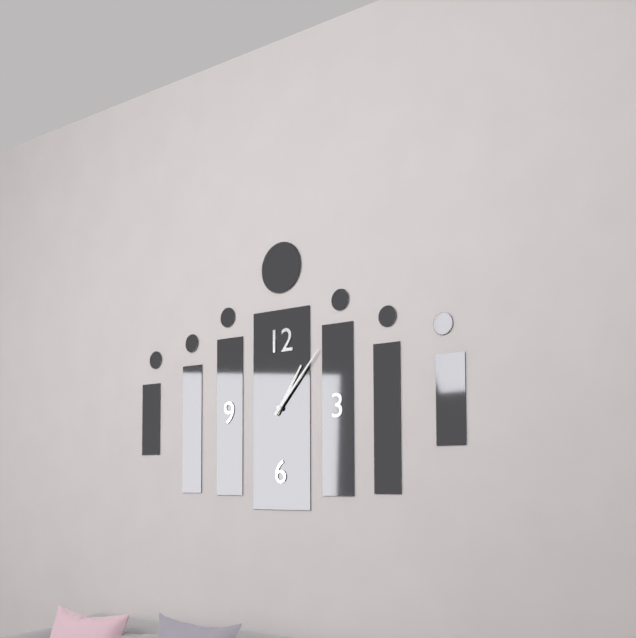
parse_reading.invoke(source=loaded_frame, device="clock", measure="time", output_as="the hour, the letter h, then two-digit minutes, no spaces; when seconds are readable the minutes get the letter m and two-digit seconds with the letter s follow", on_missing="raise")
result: 1h07
